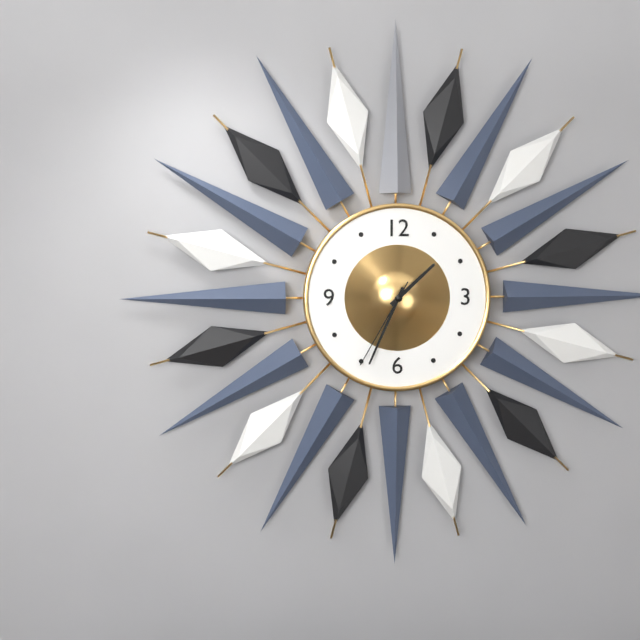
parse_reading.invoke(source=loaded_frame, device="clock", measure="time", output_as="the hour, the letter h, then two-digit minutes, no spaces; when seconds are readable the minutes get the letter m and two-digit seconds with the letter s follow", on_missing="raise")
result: 1h34m35s
